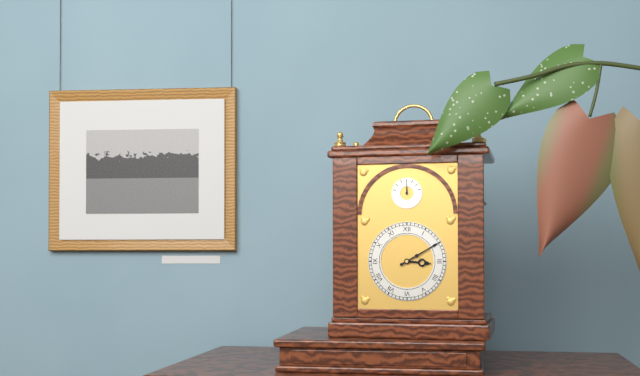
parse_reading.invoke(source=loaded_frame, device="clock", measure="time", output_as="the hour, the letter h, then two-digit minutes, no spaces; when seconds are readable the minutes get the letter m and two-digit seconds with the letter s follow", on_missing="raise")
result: 3h10
